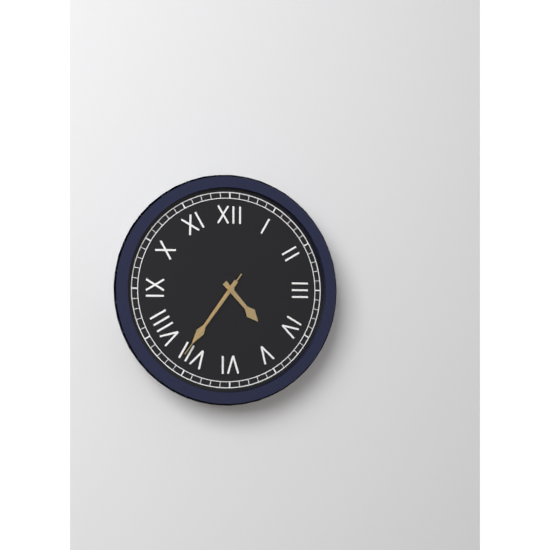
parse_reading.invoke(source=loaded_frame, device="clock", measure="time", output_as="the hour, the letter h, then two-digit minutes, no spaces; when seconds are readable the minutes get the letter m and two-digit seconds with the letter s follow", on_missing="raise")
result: 4h36m36s
